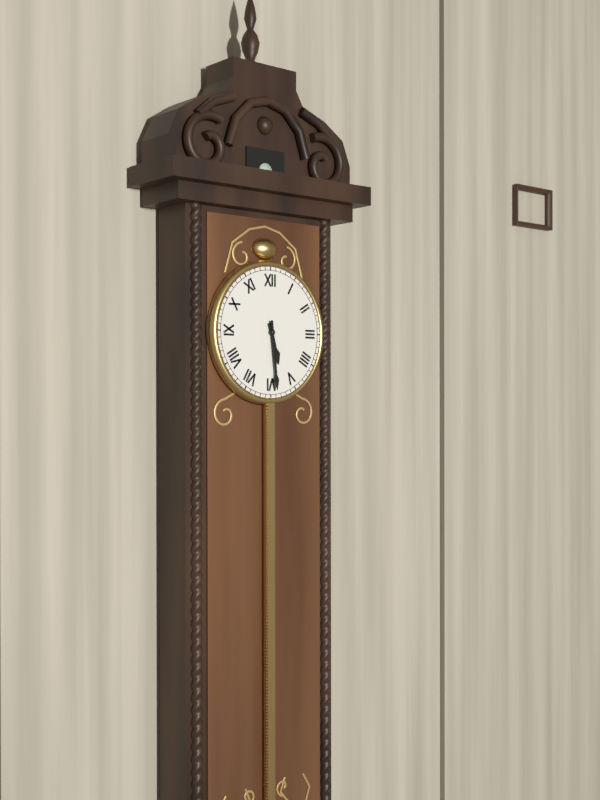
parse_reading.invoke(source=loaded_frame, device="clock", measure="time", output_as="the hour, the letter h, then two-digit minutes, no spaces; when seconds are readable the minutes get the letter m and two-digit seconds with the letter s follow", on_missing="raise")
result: 5h29
